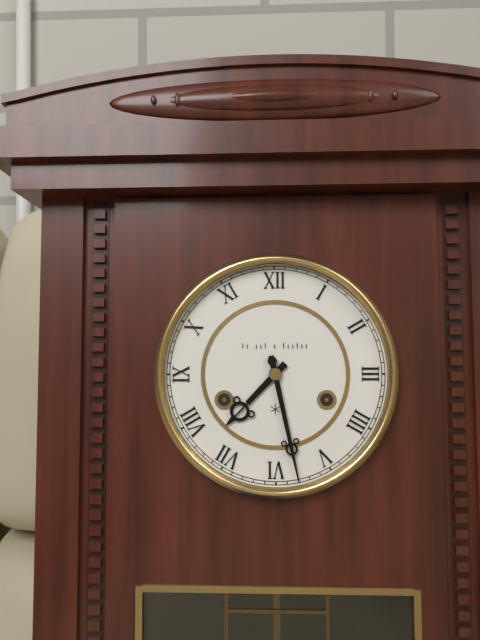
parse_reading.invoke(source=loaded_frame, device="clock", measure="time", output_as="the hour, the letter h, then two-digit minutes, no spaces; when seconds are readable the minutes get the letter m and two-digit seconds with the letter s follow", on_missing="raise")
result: 7h28
